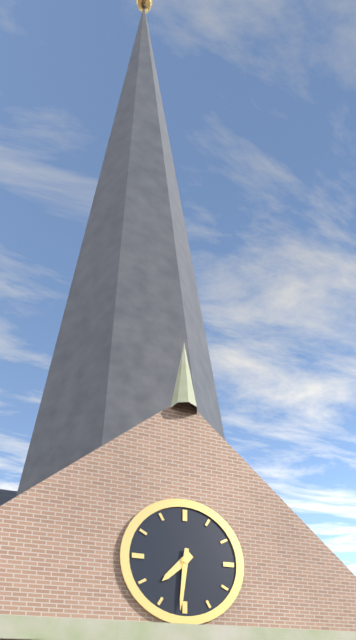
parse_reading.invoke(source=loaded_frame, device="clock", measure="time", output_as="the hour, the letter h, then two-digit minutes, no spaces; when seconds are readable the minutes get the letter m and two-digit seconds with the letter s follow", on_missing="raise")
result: 7h31
